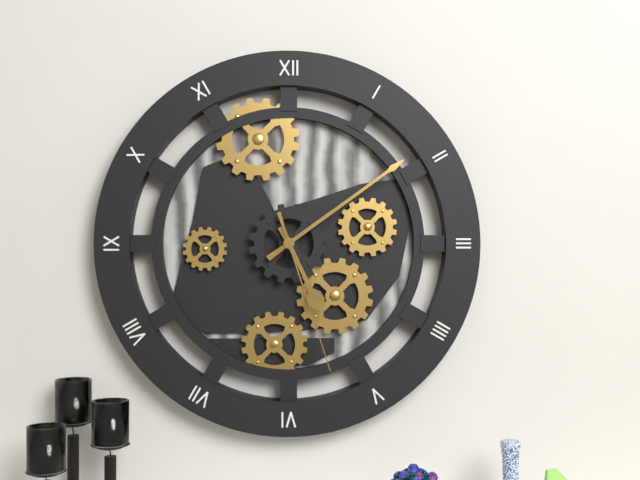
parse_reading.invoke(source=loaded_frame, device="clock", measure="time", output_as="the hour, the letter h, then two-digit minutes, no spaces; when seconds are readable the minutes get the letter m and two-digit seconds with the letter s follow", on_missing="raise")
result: 5h09m27s
